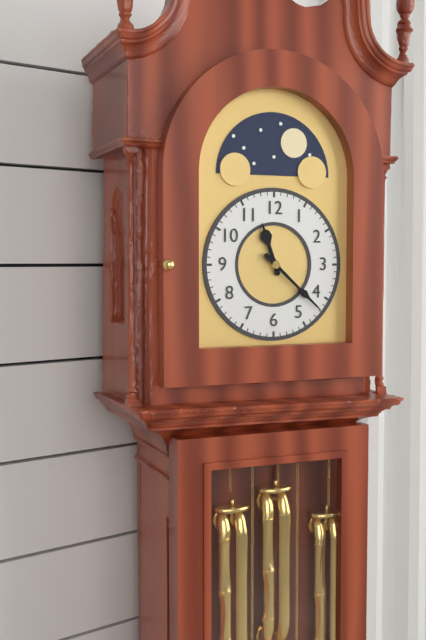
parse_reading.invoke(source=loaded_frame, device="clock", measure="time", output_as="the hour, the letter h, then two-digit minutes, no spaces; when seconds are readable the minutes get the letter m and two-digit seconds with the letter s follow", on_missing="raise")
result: 11h22
